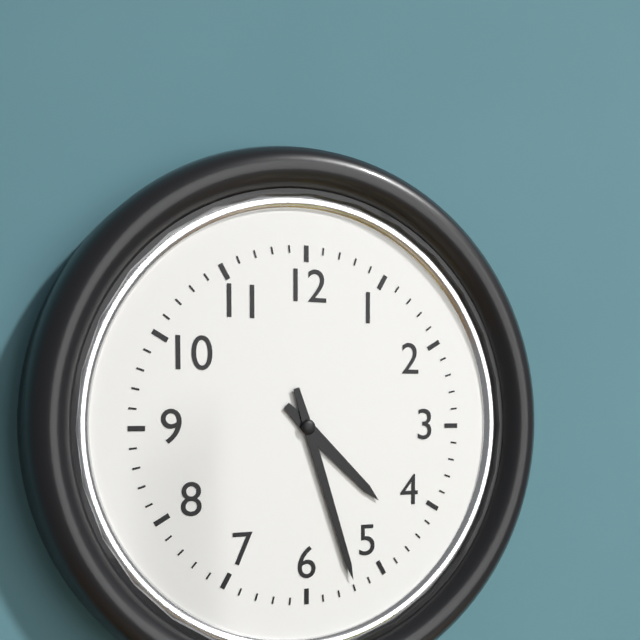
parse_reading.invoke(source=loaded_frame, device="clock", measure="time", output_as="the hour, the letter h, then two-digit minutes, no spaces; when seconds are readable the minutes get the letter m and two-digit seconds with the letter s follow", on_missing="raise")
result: 4h27
